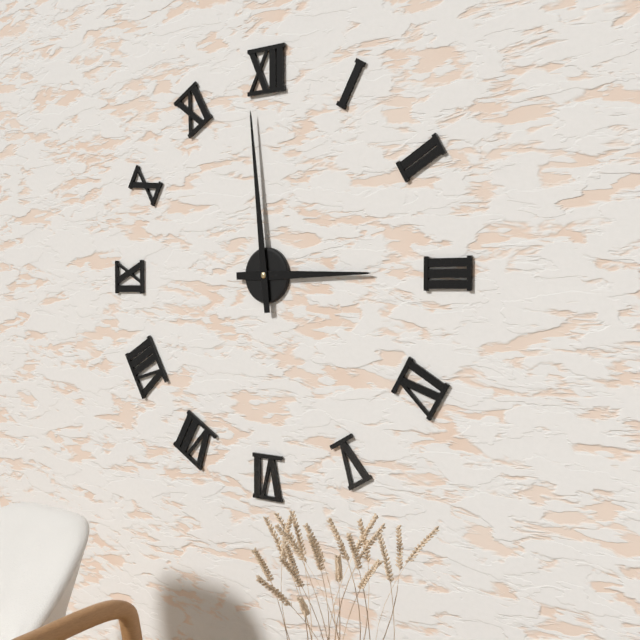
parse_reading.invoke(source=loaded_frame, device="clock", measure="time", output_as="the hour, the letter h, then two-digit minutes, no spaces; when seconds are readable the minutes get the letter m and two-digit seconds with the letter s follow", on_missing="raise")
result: 2h59
